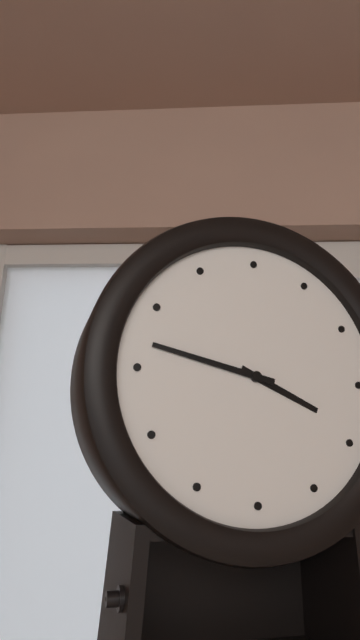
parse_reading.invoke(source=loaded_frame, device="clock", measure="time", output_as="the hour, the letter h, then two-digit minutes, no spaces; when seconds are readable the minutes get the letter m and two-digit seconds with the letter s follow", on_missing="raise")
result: 3h47
